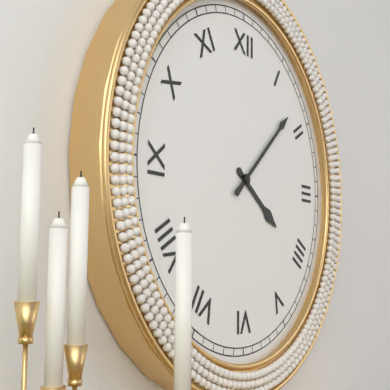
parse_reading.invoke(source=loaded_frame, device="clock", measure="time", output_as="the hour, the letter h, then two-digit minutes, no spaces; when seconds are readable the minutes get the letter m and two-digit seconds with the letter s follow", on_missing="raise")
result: 4h08
